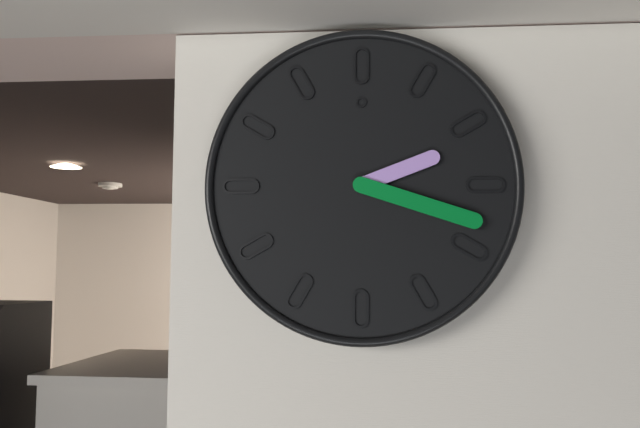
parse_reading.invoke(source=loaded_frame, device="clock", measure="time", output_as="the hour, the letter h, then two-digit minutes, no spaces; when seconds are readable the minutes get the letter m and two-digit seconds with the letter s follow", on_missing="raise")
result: 2h18
